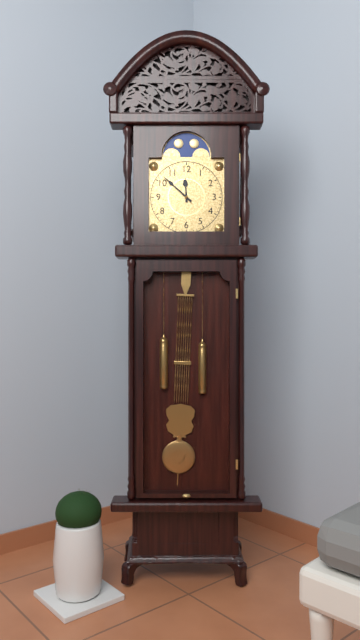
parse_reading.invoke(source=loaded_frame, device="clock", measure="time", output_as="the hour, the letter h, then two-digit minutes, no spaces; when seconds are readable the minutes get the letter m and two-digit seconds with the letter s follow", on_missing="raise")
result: 11h52
